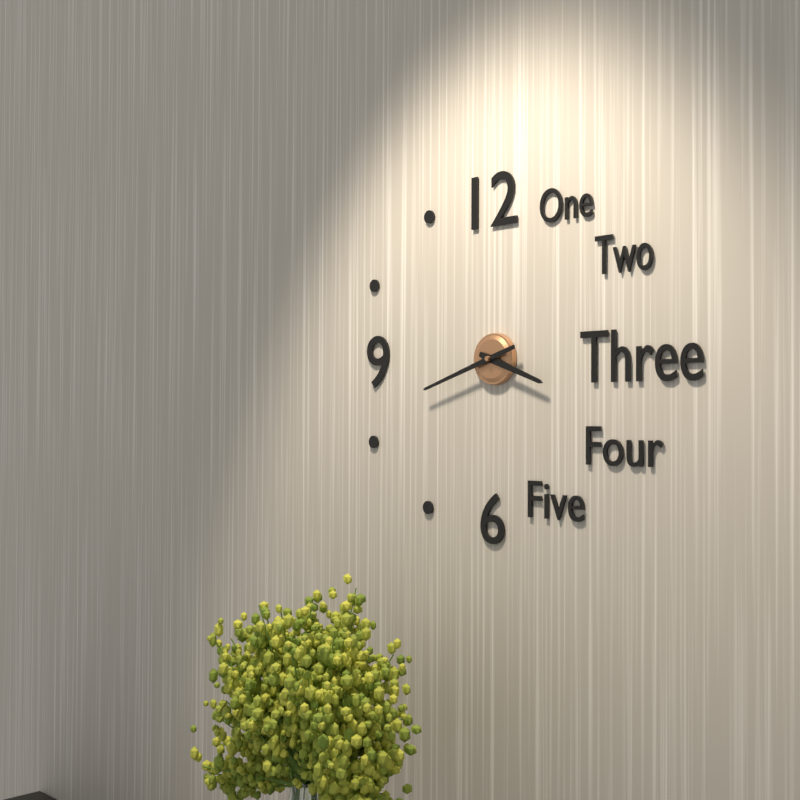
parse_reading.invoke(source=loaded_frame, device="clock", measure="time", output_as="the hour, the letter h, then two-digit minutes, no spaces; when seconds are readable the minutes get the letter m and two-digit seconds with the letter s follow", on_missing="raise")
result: 3h42
